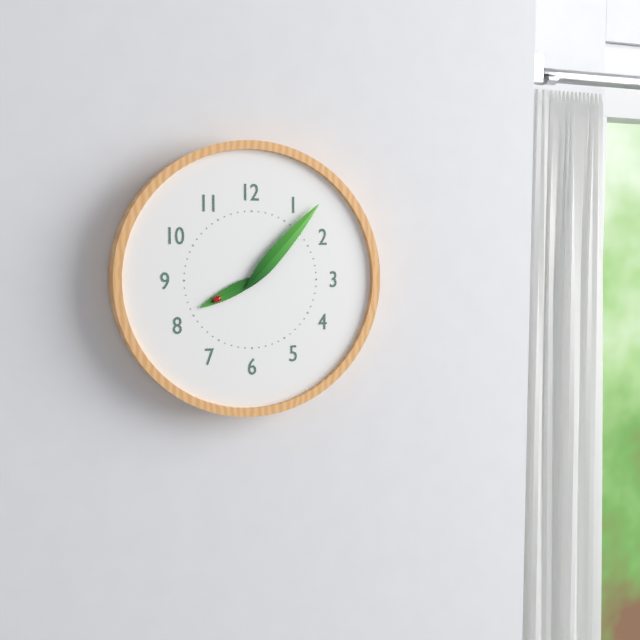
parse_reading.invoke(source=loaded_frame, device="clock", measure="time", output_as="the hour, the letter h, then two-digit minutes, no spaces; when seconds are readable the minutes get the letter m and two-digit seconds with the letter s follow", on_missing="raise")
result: 8h07
